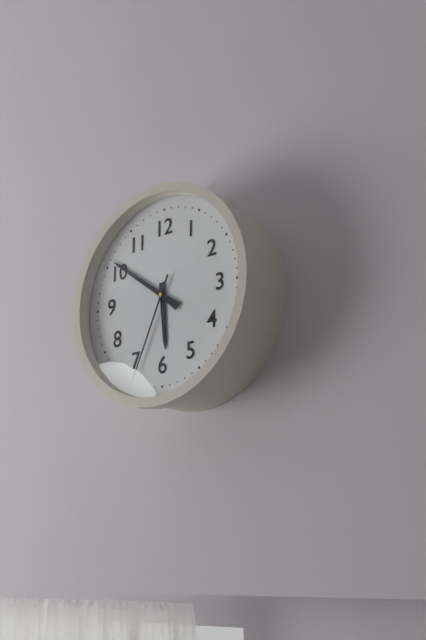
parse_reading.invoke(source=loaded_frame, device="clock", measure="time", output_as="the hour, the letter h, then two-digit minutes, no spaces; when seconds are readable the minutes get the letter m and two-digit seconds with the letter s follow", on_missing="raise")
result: 5h51m34s
